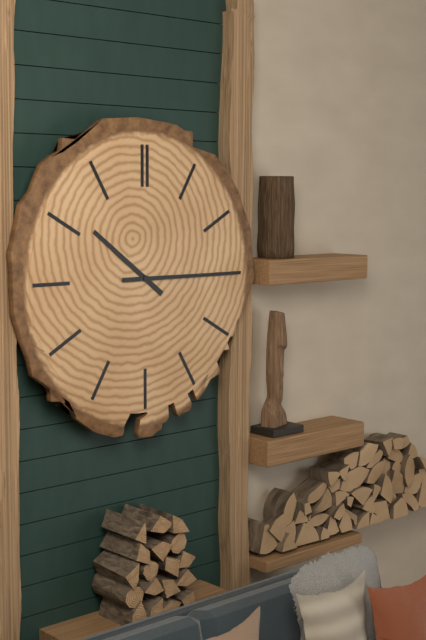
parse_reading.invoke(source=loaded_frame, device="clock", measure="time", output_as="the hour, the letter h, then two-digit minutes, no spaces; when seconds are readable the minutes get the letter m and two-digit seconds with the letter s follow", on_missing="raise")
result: 10h15
